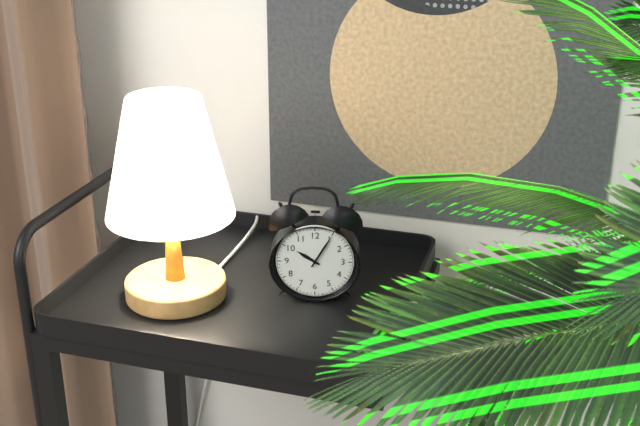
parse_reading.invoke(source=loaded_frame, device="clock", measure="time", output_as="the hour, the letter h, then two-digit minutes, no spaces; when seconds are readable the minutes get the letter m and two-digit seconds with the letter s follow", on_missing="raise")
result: 10h05
